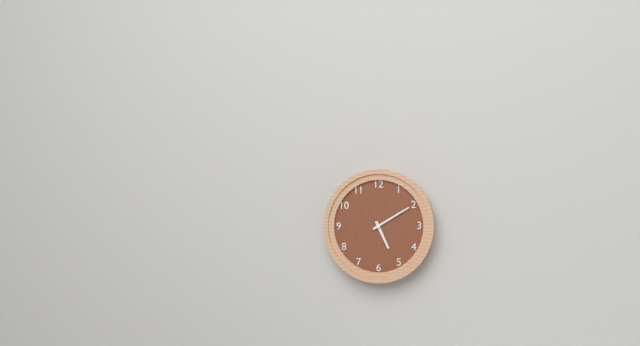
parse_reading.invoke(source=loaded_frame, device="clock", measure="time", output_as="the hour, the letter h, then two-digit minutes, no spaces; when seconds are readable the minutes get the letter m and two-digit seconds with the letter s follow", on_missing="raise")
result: 5h10
